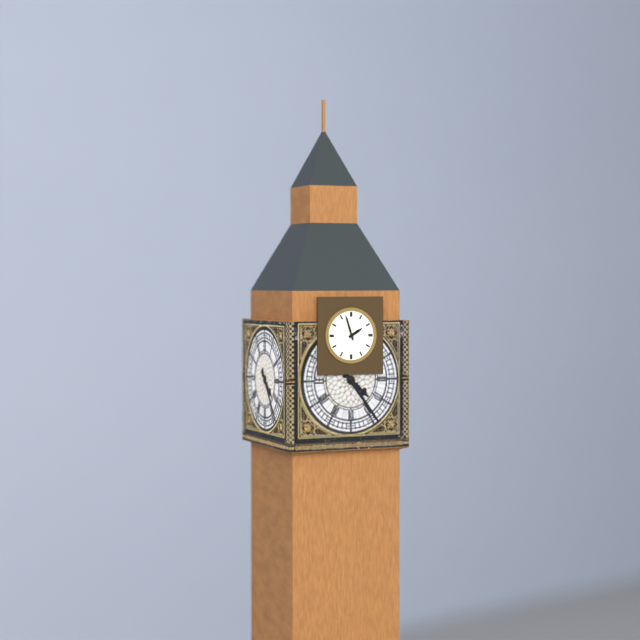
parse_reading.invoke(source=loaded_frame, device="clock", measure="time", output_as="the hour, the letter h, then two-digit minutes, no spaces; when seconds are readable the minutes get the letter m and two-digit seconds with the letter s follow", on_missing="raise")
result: 1h57
